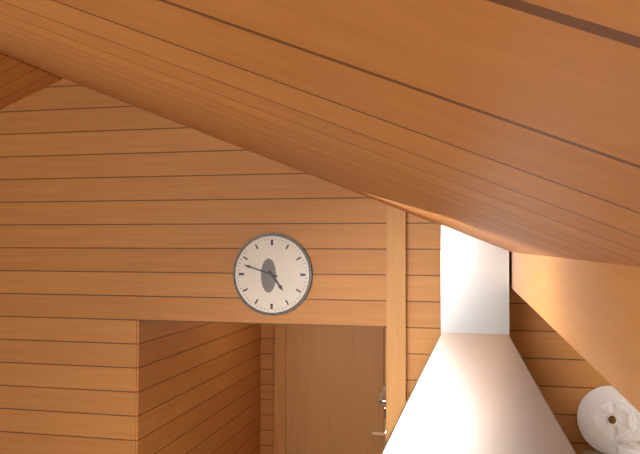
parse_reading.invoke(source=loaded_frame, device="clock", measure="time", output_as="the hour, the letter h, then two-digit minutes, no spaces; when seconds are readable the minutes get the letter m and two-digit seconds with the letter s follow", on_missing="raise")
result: 4h48
